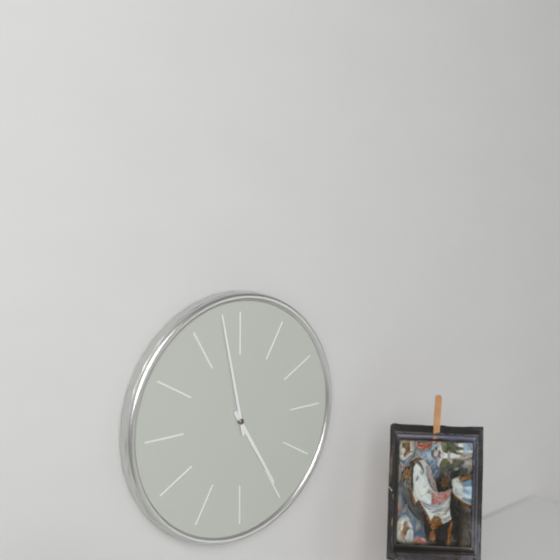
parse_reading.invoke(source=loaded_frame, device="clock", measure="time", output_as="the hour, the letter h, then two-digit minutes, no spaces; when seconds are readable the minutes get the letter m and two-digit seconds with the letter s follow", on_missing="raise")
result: 4h58
